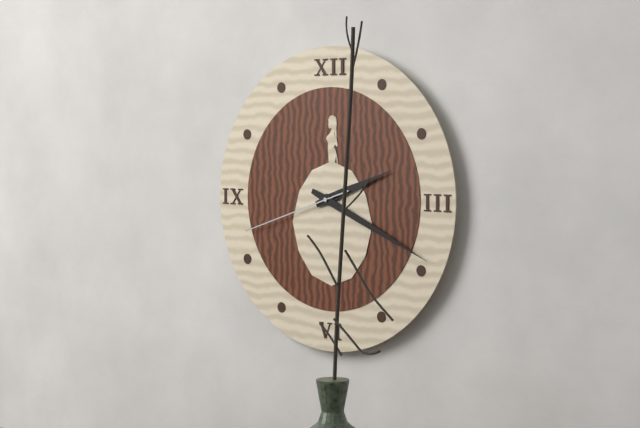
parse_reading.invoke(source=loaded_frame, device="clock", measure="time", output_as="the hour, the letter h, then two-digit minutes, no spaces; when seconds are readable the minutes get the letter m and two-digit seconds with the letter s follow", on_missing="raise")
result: 2h19m42s
